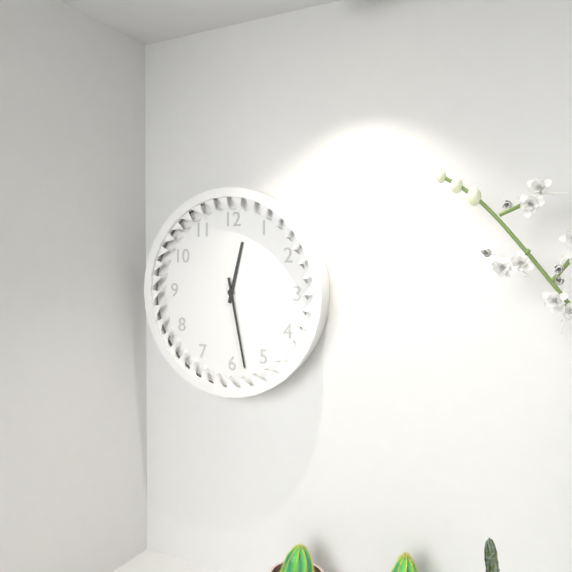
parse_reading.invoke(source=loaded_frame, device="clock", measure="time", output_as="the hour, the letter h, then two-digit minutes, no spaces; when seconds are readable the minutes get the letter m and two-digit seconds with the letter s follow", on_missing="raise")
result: 12h28
